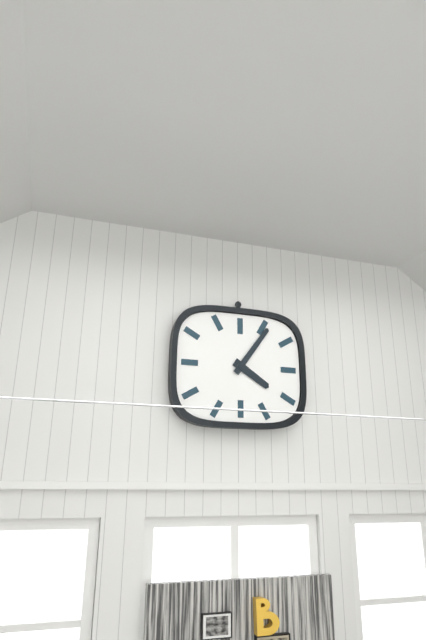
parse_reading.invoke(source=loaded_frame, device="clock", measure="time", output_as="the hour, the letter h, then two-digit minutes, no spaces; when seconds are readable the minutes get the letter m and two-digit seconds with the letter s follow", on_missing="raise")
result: 4h06
